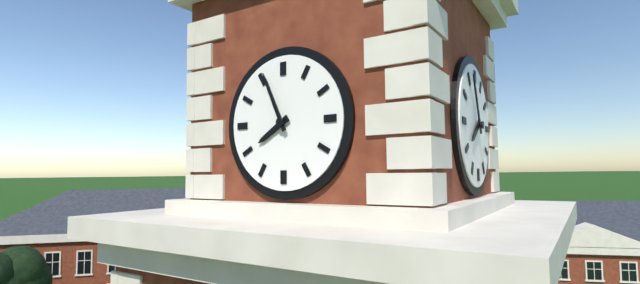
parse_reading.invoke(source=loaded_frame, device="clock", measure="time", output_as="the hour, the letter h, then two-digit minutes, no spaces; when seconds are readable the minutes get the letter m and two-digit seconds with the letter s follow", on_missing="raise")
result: 7h56
